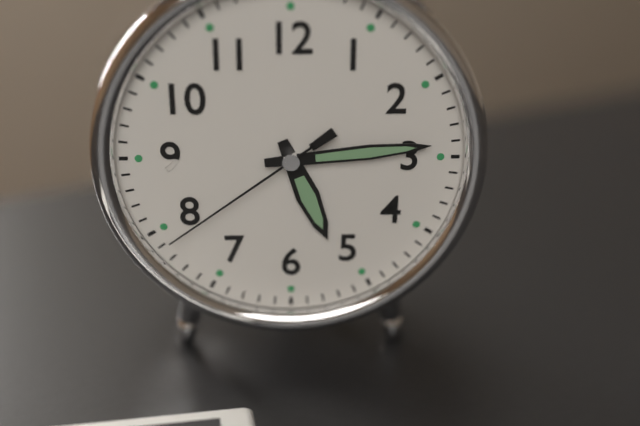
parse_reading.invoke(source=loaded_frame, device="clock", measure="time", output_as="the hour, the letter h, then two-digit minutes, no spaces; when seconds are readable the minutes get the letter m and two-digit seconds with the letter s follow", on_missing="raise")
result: 5h14m39s
